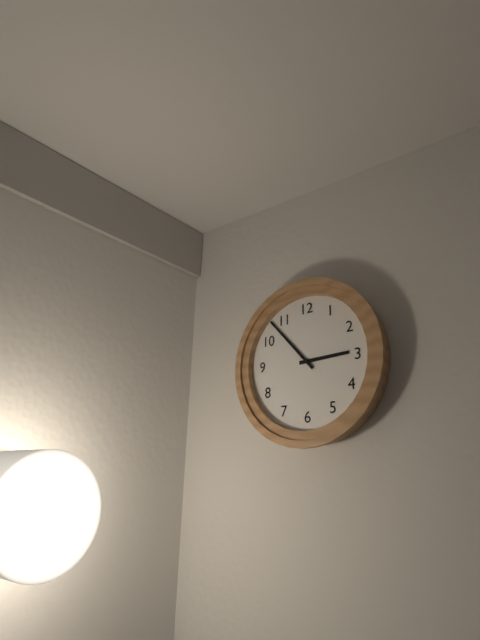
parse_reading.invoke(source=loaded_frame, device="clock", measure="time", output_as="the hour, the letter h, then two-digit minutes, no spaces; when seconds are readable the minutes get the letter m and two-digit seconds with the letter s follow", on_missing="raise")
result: 2h53
